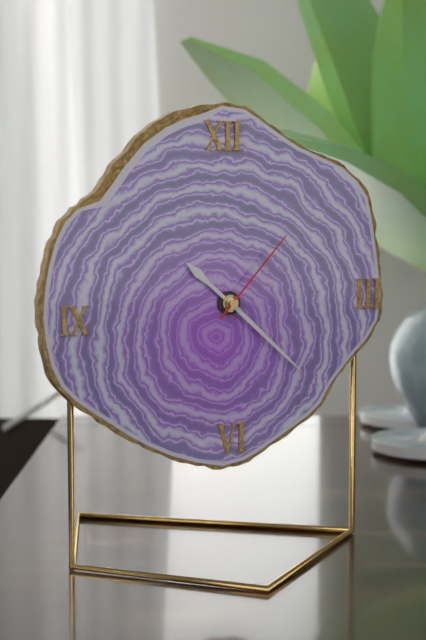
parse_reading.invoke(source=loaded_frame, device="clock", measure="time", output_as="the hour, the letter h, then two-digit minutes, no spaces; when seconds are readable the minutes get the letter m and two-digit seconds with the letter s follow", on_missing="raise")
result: 10h22m07s
